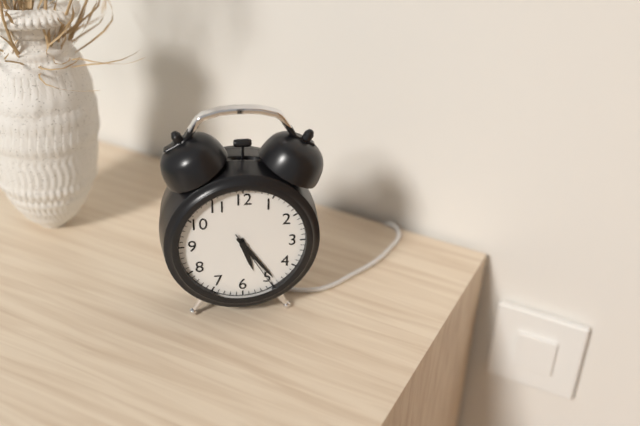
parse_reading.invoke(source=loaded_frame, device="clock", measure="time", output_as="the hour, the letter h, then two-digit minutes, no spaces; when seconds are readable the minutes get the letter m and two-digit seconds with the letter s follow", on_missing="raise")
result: 5h24m25s
